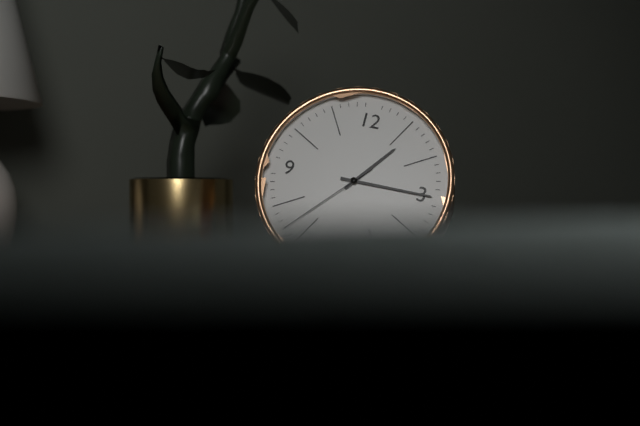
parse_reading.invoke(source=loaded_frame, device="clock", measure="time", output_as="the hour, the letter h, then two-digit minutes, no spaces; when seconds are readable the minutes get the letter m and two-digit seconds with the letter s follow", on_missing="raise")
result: 1h15m37s
